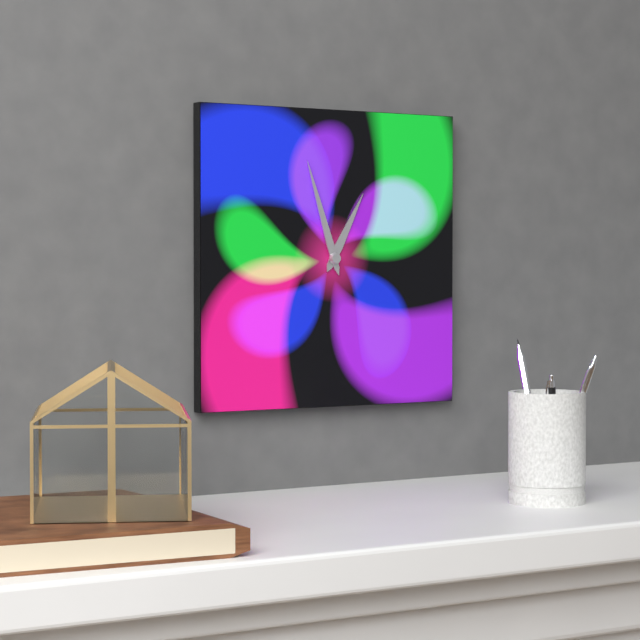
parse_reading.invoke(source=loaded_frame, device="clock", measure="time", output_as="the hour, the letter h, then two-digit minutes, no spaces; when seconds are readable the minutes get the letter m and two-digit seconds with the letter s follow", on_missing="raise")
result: 12h57
